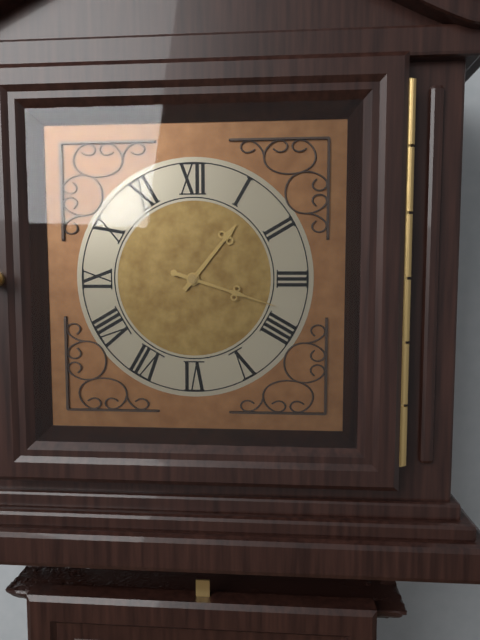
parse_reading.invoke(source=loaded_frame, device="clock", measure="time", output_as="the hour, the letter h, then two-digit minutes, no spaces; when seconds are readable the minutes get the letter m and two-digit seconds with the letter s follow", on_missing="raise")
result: 1h18
